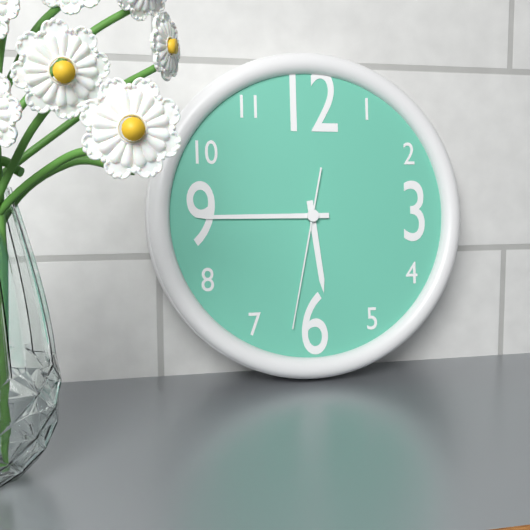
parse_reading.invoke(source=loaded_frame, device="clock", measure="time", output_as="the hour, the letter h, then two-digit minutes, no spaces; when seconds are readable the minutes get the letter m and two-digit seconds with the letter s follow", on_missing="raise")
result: 5h45m32s
